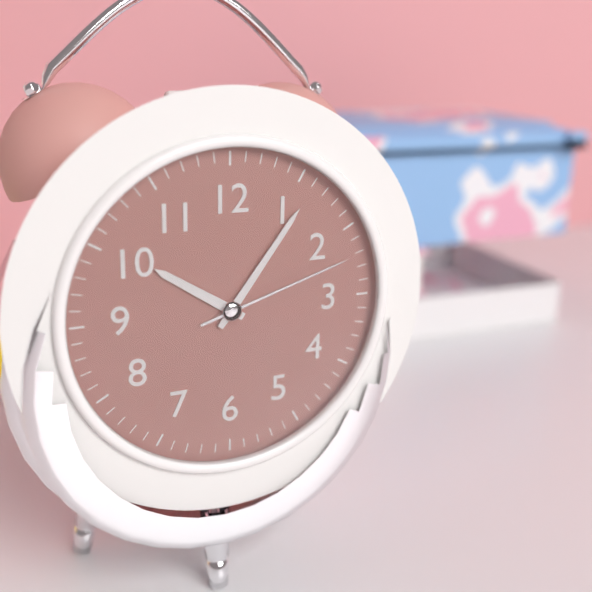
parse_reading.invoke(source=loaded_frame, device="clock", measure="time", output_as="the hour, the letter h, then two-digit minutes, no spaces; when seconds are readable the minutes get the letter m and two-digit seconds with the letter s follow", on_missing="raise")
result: 10h06m12s
